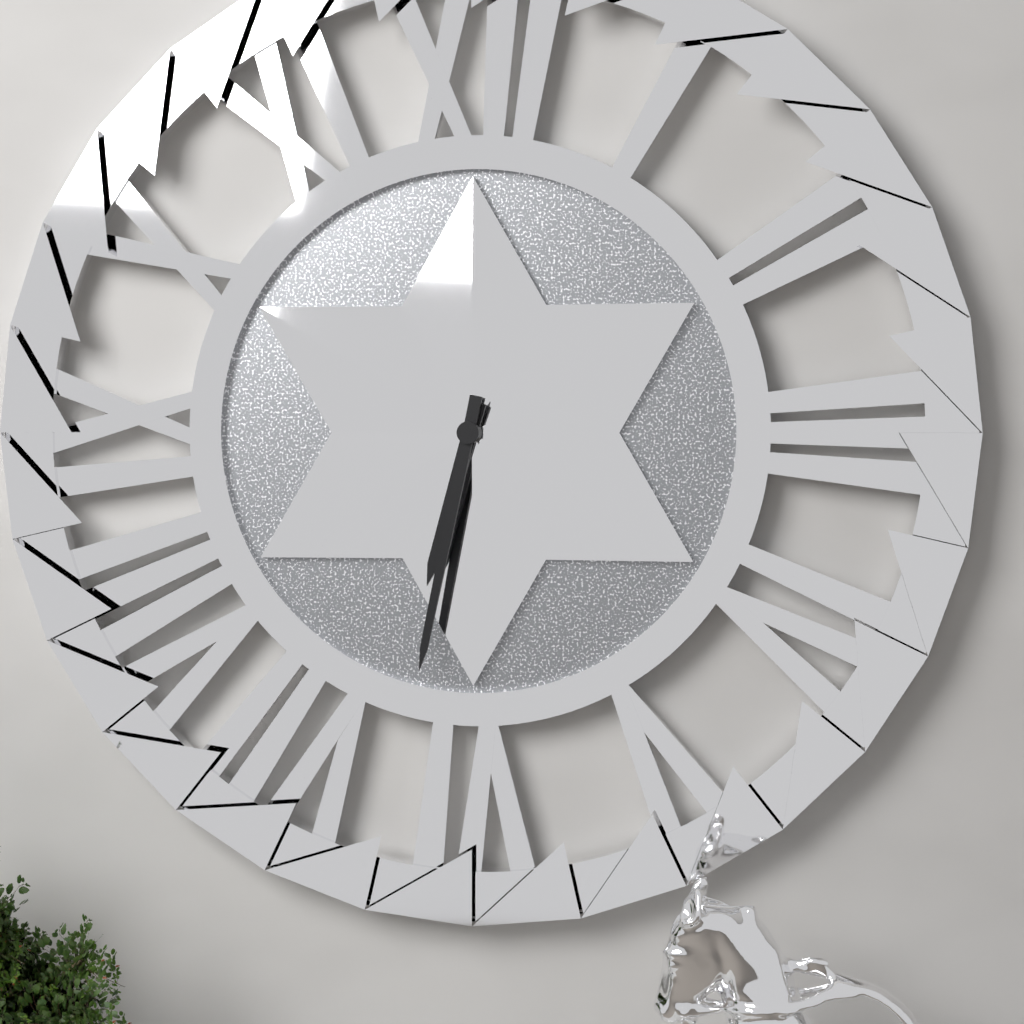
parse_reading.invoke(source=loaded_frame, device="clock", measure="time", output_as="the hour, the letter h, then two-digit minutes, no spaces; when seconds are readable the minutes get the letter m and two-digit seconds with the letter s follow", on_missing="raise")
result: 6h32
